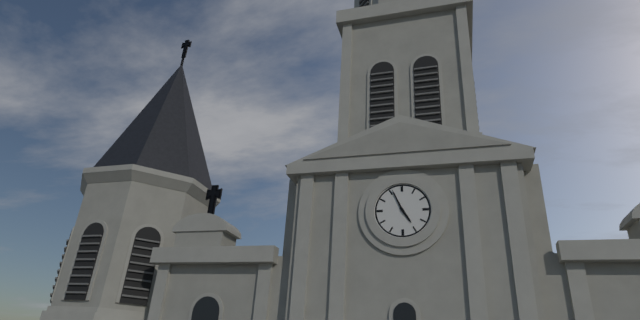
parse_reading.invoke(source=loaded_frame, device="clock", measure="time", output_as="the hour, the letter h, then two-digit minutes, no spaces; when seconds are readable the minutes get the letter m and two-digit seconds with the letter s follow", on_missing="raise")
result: 4h56
